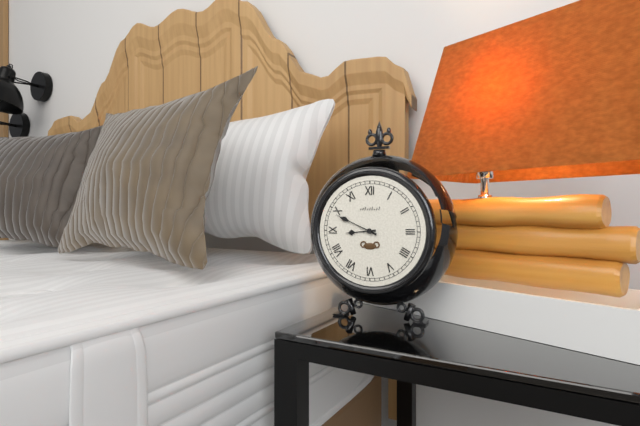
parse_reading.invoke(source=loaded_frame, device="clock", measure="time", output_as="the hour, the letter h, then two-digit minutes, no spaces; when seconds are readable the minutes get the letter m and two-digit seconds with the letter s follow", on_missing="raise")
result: 8h49
